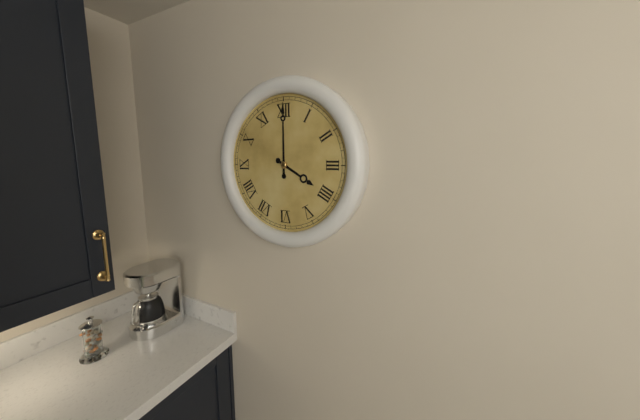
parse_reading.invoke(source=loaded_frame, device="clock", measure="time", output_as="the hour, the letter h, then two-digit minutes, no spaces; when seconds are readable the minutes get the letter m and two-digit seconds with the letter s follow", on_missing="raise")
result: 4h00
